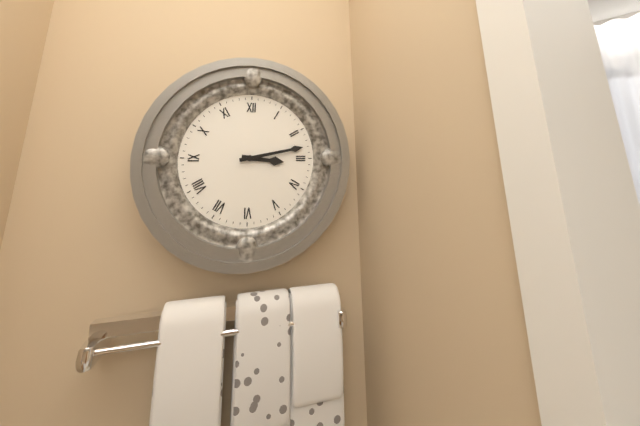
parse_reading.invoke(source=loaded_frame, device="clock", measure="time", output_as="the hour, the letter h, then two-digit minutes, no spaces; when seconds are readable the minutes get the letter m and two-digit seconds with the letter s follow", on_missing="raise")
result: 3h13
